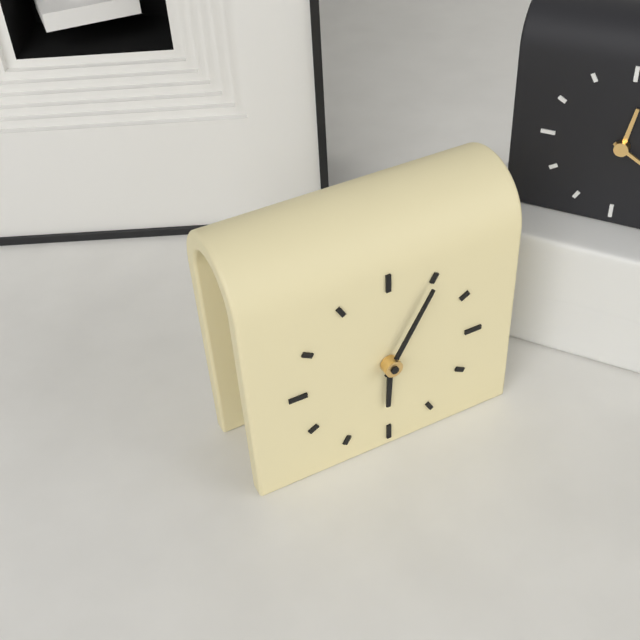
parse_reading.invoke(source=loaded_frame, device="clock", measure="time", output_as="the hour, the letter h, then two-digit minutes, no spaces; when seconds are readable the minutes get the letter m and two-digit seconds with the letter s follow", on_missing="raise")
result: 6h05
